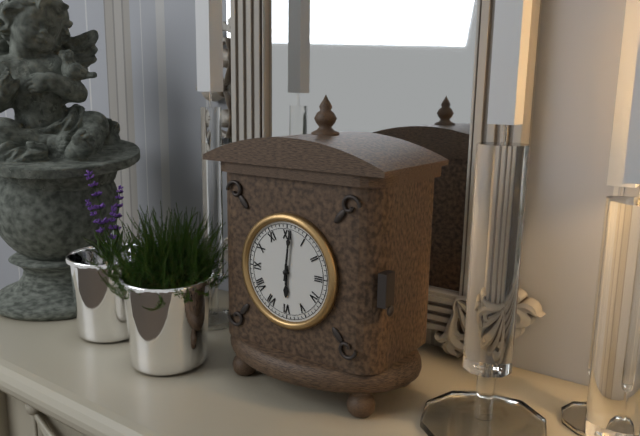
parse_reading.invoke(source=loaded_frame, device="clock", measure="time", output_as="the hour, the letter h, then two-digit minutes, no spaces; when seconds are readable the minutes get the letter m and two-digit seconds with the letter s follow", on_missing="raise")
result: 6h01
